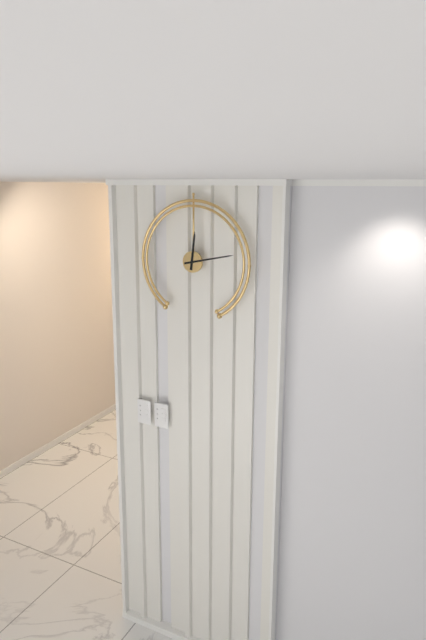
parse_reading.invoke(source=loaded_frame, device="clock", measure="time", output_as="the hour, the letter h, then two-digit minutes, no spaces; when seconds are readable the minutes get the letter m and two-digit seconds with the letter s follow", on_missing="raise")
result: 12h13
